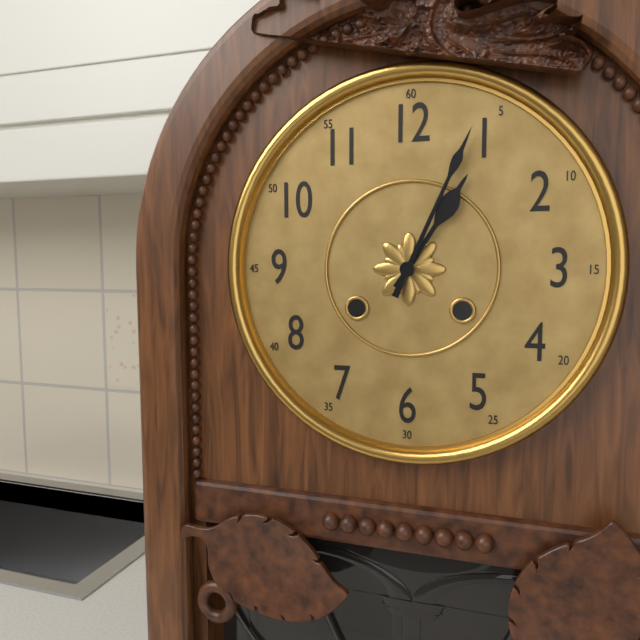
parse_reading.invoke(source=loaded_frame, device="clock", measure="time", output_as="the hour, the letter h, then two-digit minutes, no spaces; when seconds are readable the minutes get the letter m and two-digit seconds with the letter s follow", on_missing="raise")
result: 1h04
